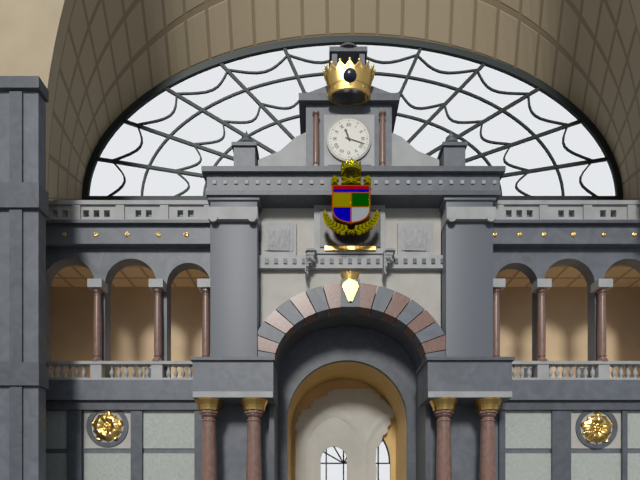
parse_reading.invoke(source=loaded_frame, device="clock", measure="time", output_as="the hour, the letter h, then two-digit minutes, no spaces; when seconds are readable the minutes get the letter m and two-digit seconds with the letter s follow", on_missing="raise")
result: 11h18
